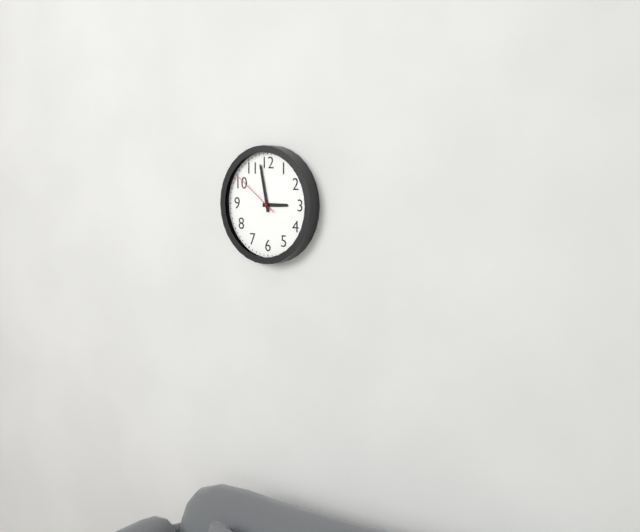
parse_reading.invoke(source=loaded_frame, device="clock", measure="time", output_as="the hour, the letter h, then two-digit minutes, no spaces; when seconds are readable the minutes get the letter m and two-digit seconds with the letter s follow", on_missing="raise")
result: 2h58m51s
